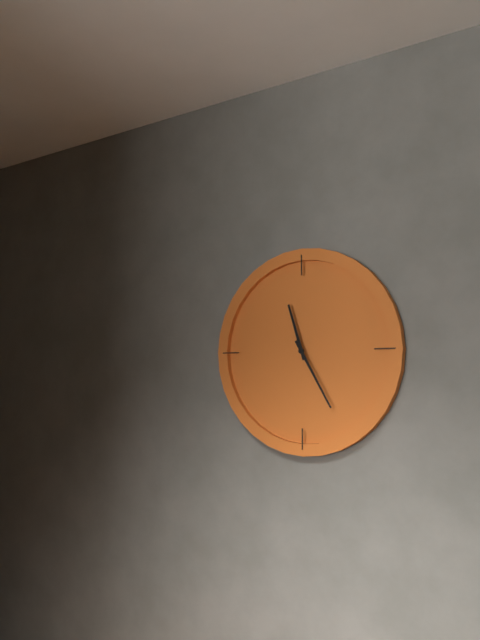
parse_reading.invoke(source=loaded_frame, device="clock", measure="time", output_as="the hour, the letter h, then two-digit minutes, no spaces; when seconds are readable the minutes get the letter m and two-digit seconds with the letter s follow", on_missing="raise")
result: 11h25
